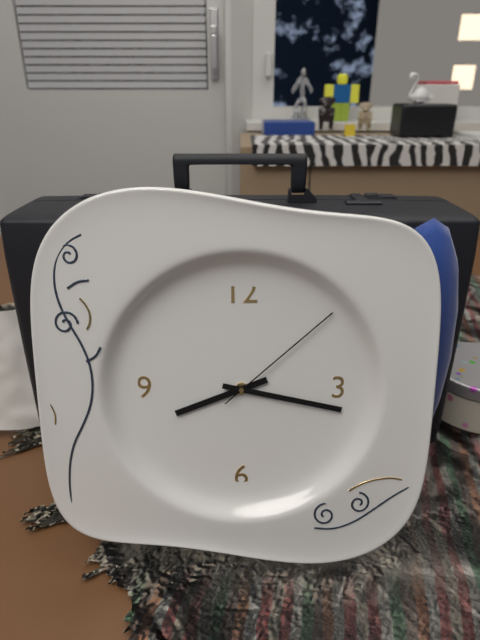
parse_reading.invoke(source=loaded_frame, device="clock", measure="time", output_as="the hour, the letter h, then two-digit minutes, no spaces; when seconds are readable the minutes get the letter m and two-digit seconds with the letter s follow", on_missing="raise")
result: 8h17m08s
